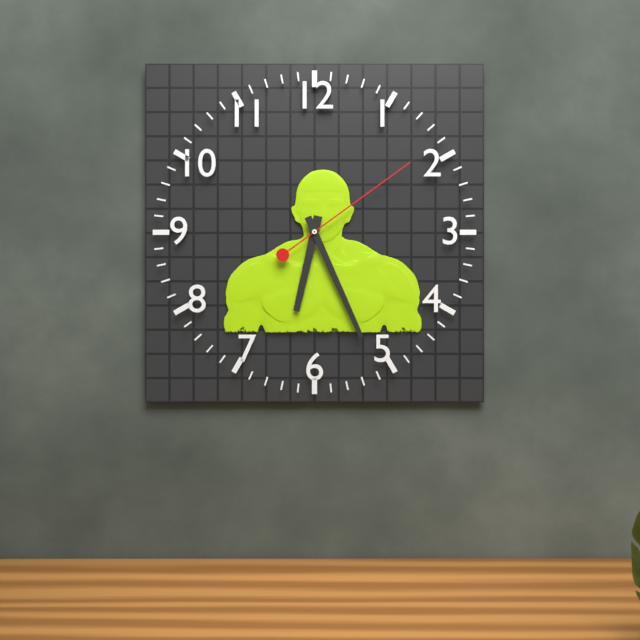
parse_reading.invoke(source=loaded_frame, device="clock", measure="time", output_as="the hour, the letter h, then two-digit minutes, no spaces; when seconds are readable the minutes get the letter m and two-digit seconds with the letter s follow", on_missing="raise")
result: 6h26m09s
